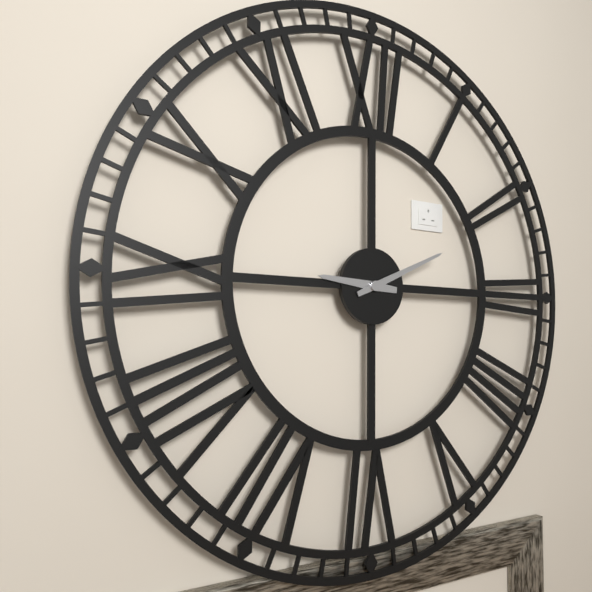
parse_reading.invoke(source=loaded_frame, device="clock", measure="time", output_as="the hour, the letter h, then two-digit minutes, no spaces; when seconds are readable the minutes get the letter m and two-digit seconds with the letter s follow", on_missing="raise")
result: 9h11
